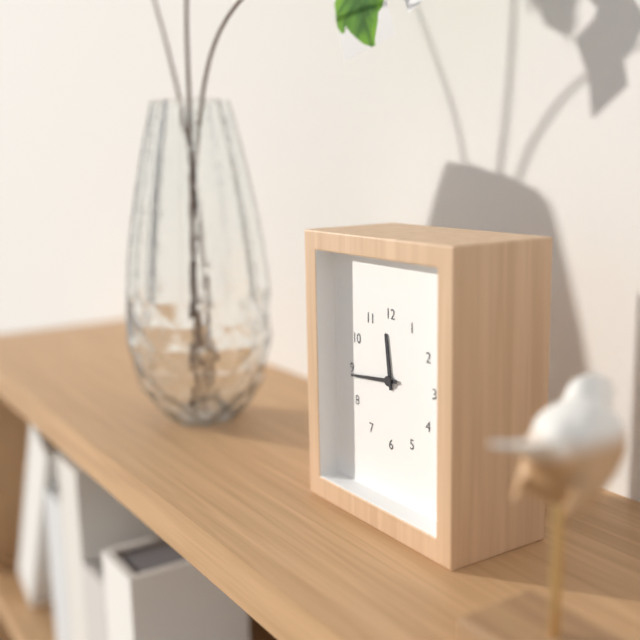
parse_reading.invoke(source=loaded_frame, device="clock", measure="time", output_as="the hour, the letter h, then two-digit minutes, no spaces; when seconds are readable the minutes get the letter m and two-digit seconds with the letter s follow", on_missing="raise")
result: 11h44
